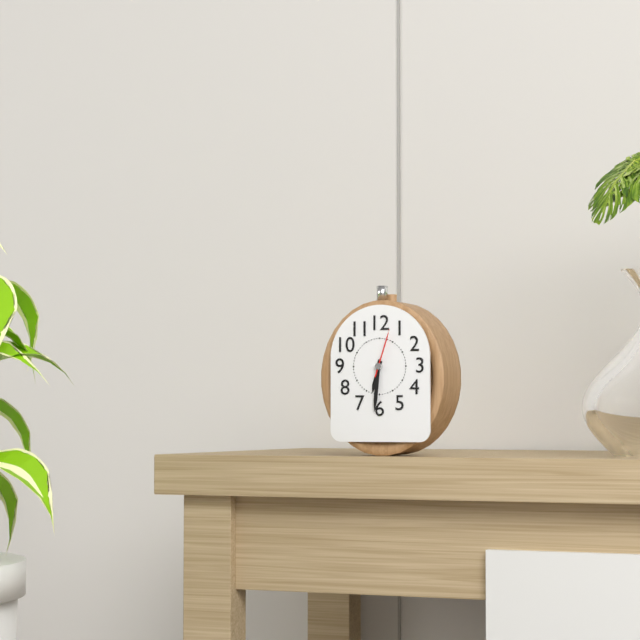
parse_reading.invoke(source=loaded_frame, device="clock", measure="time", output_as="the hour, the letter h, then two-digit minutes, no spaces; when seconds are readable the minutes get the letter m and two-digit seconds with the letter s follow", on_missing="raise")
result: 6h31
